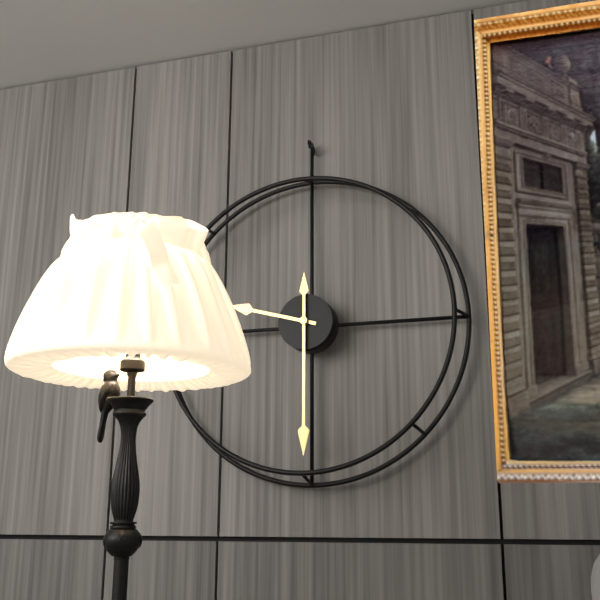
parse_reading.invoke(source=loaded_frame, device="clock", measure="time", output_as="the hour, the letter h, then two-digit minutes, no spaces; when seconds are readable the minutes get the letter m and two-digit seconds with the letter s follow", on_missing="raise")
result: 9h30
